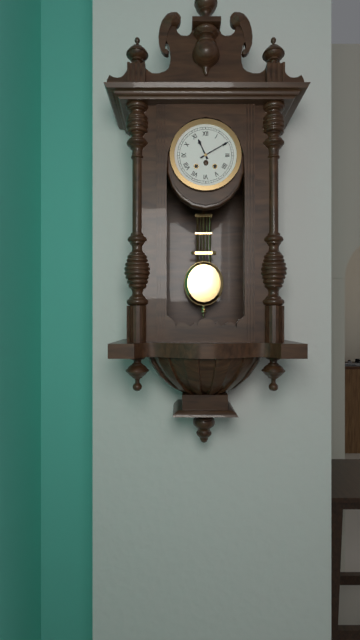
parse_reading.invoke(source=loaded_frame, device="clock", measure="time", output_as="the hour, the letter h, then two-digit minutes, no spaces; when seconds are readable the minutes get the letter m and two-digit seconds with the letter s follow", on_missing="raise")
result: 11h10
